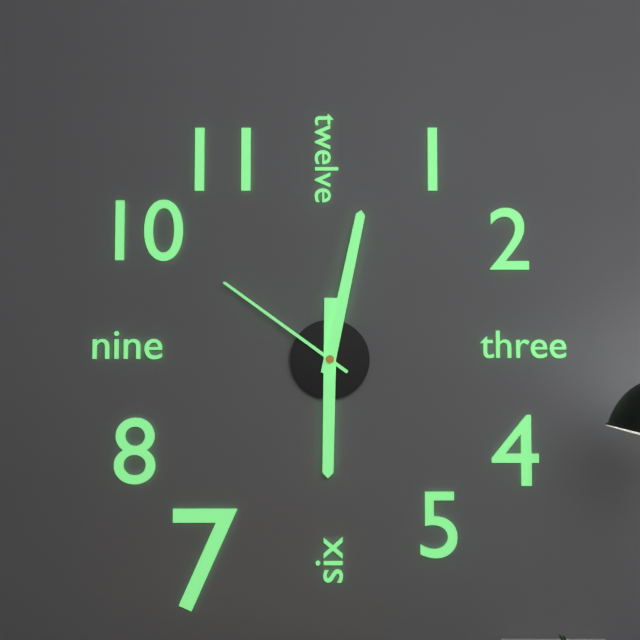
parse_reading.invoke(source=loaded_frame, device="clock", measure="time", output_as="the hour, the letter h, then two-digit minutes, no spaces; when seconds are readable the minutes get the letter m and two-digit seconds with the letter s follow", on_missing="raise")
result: 6h02m51s
